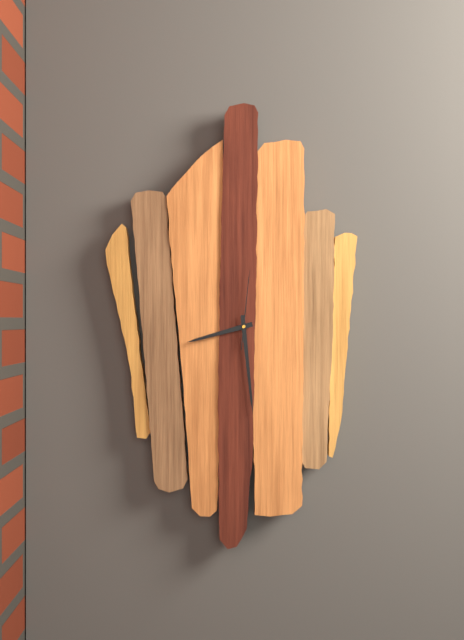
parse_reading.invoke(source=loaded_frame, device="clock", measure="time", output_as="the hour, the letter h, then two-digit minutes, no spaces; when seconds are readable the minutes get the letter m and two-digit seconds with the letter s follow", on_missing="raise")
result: 8h29m01s
